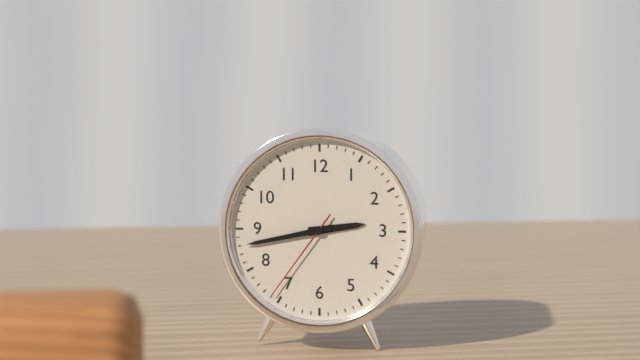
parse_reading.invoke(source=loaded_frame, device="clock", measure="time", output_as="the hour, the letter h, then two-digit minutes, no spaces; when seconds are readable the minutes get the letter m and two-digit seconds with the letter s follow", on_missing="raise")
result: 2h43m36s
